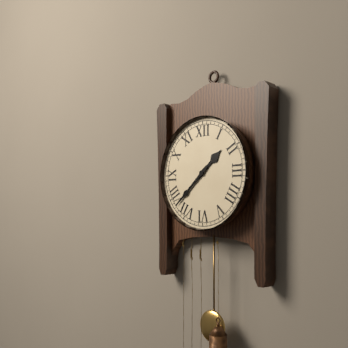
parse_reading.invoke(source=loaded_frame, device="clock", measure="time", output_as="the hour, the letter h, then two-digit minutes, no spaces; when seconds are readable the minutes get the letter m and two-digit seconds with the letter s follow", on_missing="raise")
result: 1h38
